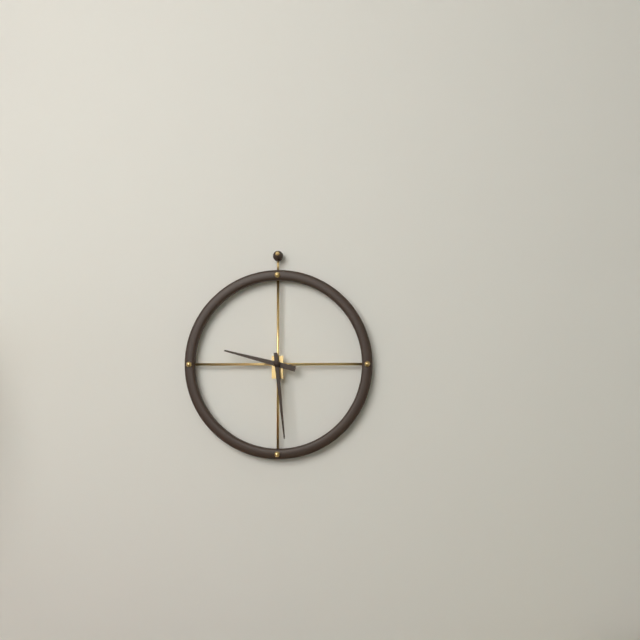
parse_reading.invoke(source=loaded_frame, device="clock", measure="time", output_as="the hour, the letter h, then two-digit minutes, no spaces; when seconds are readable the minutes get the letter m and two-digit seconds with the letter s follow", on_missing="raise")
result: 9h29
